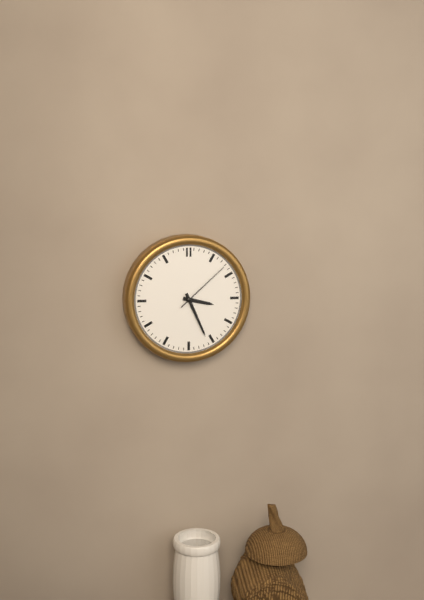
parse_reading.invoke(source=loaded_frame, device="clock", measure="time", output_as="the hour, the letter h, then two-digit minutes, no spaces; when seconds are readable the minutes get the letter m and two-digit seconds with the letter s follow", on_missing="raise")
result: 3h26m08s
